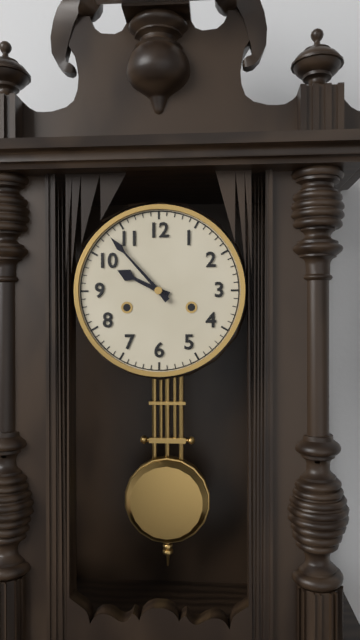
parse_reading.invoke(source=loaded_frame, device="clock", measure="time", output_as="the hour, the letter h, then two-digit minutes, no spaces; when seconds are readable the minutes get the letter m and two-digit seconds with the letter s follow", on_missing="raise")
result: 9h53
